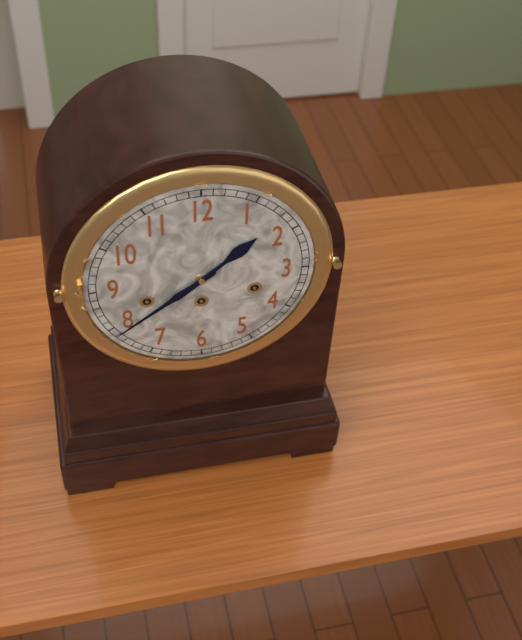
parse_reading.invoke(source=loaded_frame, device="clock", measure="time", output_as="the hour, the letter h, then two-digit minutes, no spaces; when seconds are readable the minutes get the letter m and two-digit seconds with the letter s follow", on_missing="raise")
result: 1h39
